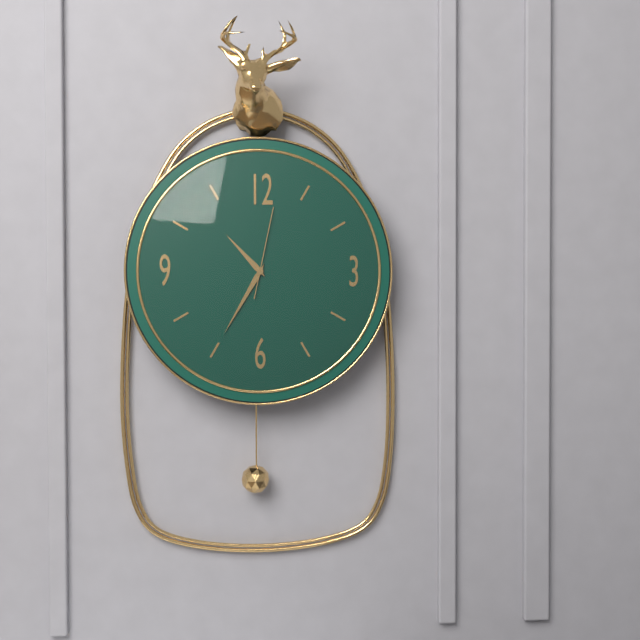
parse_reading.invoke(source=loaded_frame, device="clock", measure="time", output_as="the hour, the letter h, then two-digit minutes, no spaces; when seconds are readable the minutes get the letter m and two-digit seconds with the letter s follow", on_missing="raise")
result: 10h35m02s
